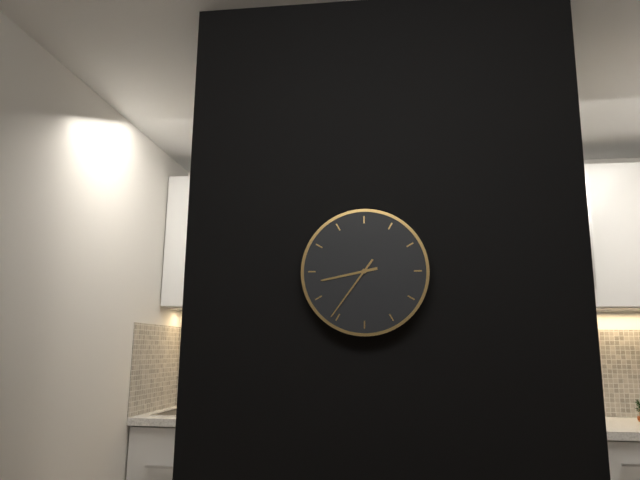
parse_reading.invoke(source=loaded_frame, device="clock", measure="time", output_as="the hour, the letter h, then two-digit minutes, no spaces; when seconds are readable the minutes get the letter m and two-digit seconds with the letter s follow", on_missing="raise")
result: 8h36
